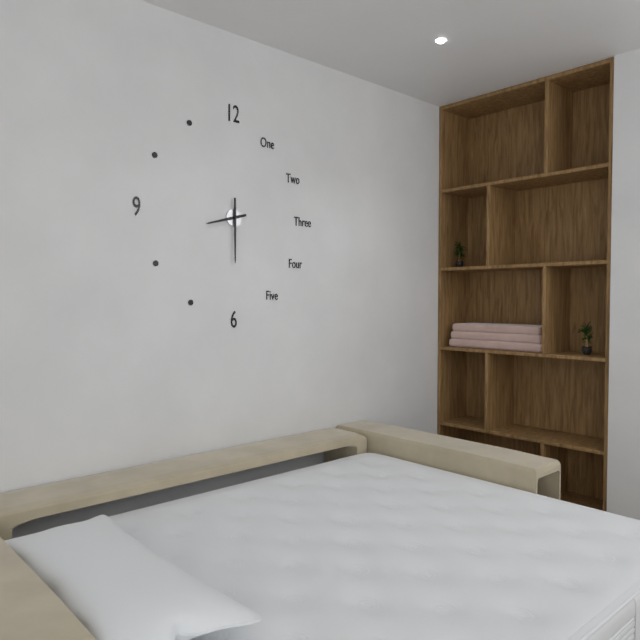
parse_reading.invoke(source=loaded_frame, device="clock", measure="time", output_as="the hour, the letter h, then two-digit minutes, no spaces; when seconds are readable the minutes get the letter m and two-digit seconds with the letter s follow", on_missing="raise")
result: 8h30
